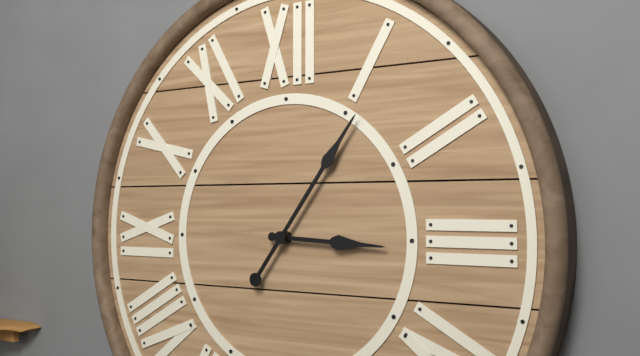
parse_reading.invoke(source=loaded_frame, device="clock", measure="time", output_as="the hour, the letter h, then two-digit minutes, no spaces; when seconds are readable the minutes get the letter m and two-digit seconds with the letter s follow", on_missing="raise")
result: 3h06
